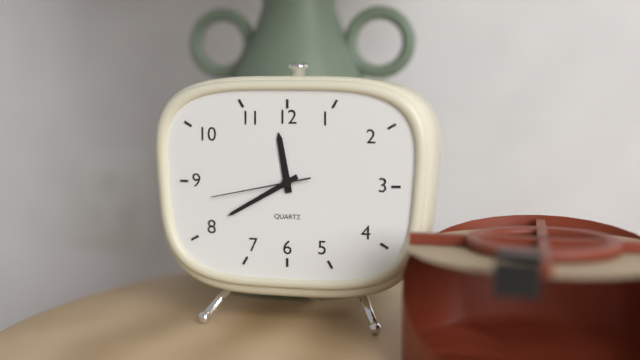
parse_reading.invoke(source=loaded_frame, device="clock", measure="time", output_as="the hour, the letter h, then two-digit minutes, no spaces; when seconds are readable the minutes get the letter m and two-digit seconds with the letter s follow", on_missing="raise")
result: 11h40m43s
